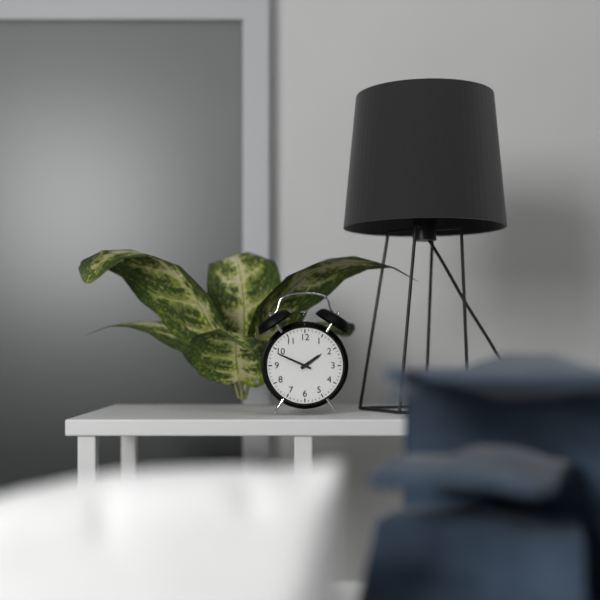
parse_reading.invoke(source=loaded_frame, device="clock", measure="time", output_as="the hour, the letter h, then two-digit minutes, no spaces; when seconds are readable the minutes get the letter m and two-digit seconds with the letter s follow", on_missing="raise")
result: 1h49
